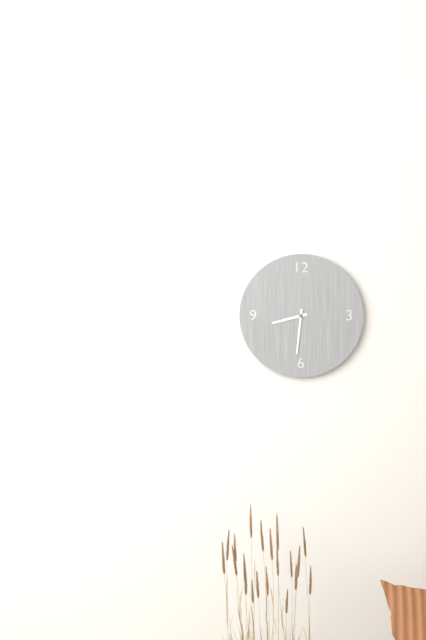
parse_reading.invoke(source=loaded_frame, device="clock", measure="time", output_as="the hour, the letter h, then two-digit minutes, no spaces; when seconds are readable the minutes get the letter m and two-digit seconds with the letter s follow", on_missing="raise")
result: 8h31
